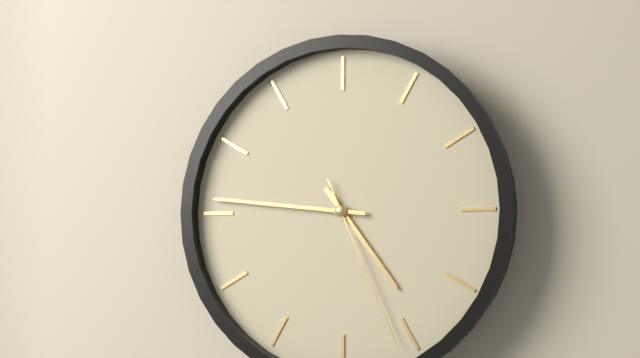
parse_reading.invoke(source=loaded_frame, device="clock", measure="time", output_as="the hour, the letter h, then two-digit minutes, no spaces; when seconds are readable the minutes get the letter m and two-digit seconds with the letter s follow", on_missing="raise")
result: 4h46m26s
